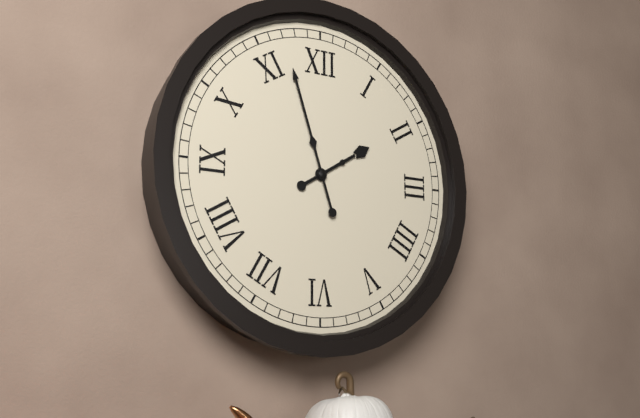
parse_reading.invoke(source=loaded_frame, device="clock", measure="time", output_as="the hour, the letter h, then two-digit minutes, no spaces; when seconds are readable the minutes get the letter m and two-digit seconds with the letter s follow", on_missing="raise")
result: 1h57
